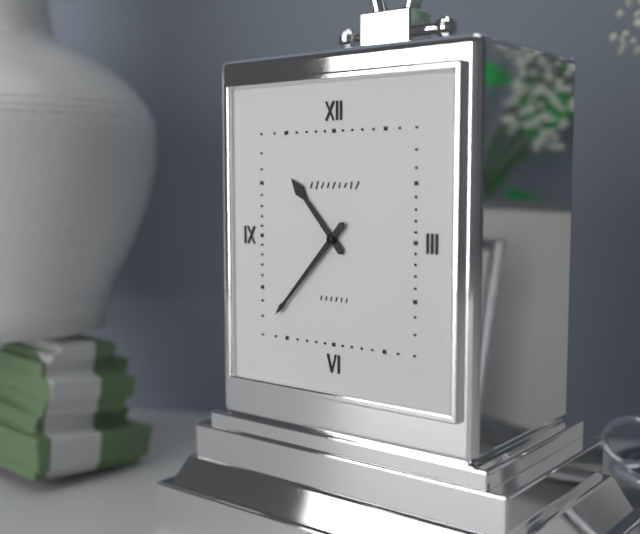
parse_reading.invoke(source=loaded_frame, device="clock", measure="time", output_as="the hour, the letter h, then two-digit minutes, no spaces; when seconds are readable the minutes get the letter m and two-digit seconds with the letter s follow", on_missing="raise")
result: 10h37
